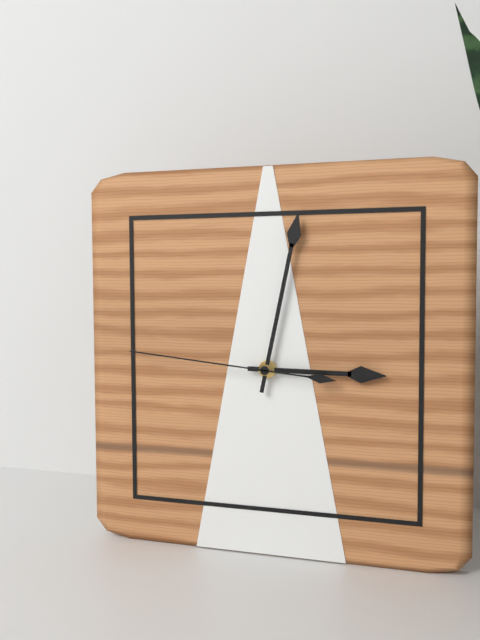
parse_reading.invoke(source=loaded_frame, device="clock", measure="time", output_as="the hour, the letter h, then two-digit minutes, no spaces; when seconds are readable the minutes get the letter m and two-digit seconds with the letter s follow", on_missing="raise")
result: 3h02m46s
